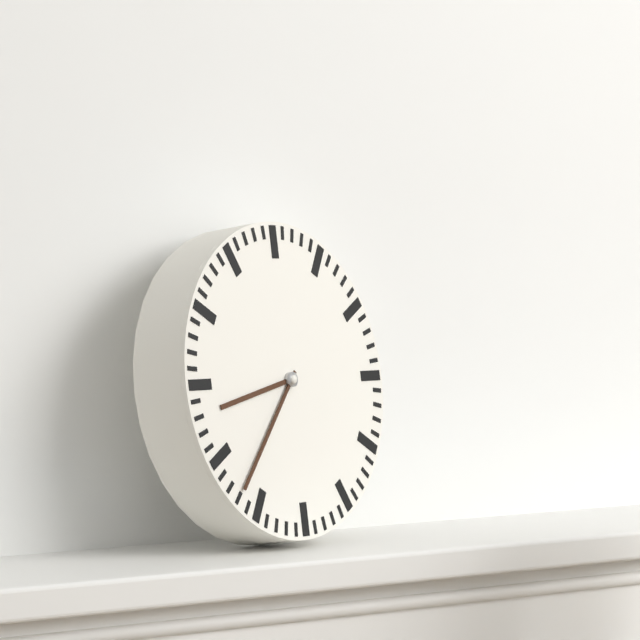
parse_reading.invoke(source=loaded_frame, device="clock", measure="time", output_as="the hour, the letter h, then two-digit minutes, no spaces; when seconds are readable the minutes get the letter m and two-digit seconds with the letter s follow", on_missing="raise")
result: 8h37
